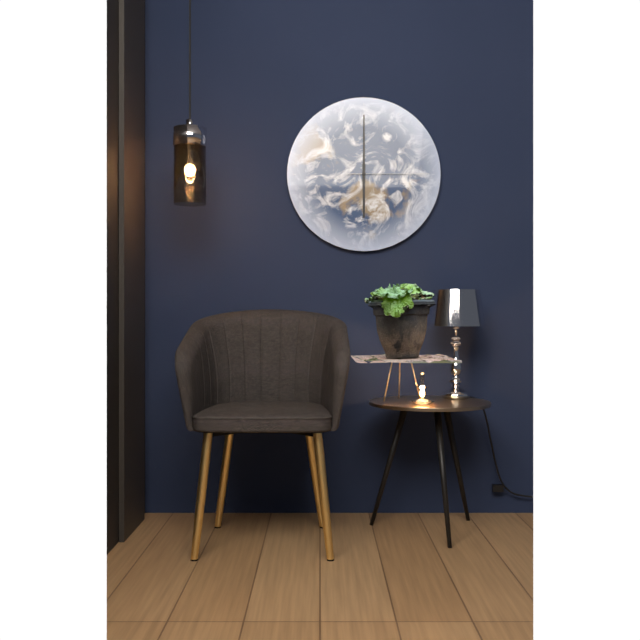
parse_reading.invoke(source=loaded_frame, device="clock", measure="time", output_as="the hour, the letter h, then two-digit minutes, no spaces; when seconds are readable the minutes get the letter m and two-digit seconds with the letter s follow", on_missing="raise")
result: 6h00m15s
